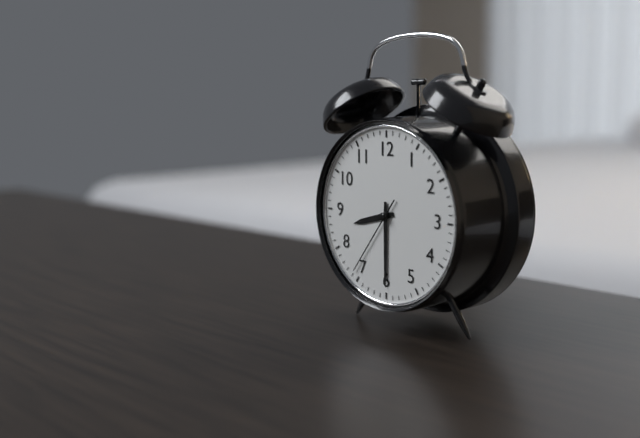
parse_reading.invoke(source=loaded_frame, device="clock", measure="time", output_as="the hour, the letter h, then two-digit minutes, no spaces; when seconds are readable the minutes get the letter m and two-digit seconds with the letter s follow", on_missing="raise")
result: 8h30m36s
